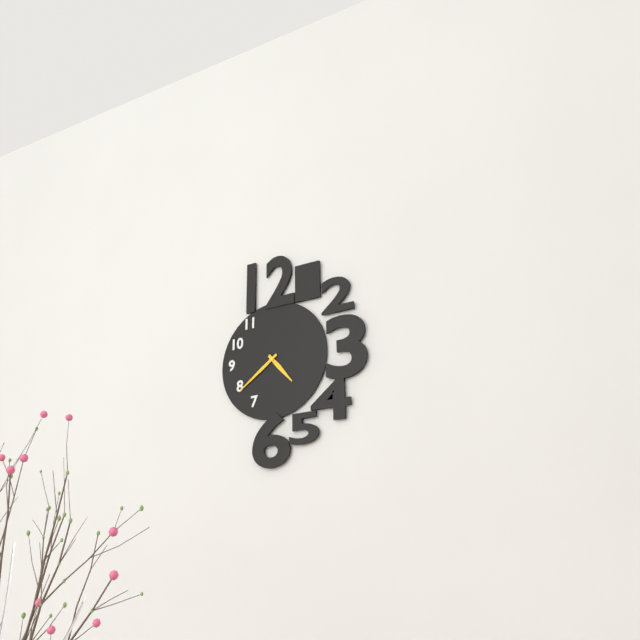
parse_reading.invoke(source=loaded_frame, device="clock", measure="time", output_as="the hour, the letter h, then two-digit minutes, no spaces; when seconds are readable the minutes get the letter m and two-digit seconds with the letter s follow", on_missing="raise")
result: 4h39
